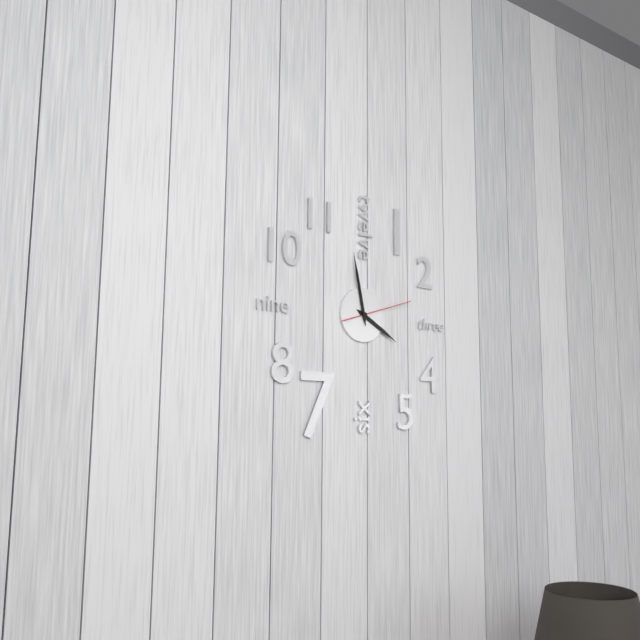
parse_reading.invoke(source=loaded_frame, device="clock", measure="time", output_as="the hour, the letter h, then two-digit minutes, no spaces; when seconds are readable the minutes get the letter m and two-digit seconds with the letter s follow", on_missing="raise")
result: 3h58m12s
